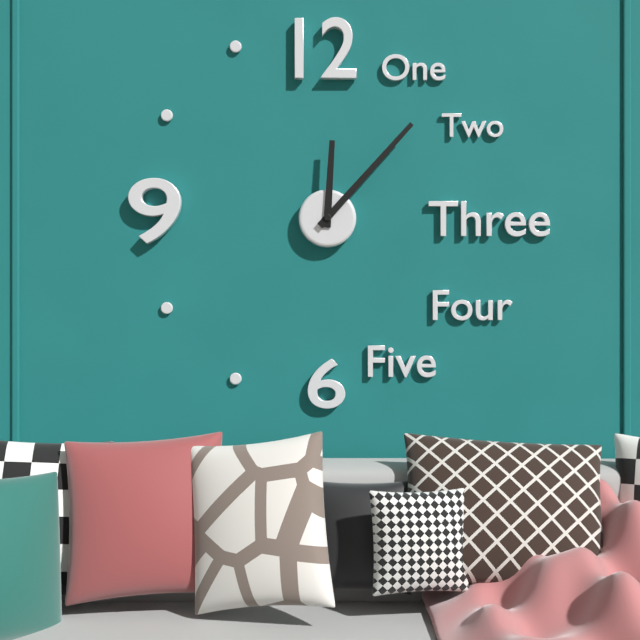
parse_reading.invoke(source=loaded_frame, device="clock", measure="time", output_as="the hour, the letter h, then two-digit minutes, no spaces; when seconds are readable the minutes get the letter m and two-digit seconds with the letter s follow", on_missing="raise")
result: 12h07
